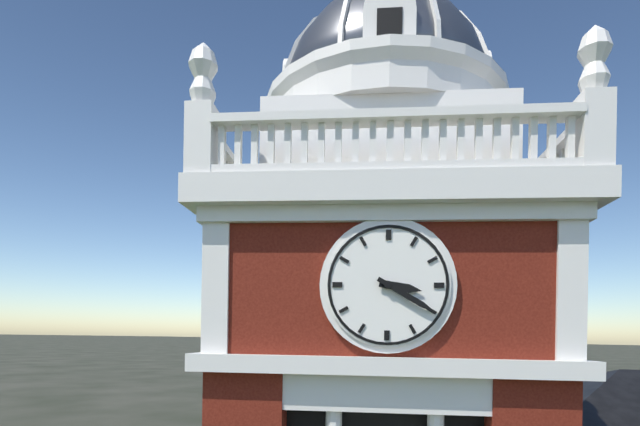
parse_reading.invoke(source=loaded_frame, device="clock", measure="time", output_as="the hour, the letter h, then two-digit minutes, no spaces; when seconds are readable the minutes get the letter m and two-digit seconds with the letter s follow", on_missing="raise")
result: 3h20
